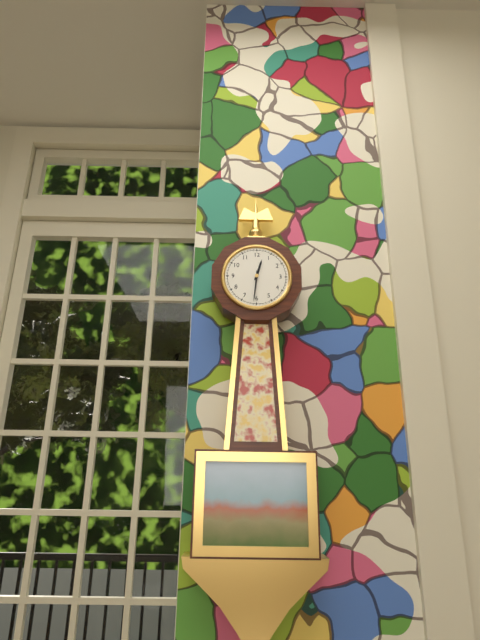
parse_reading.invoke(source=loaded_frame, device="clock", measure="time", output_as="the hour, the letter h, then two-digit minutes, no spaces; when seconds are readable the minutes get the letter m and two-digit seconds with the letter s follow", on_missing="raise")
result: 12h31
